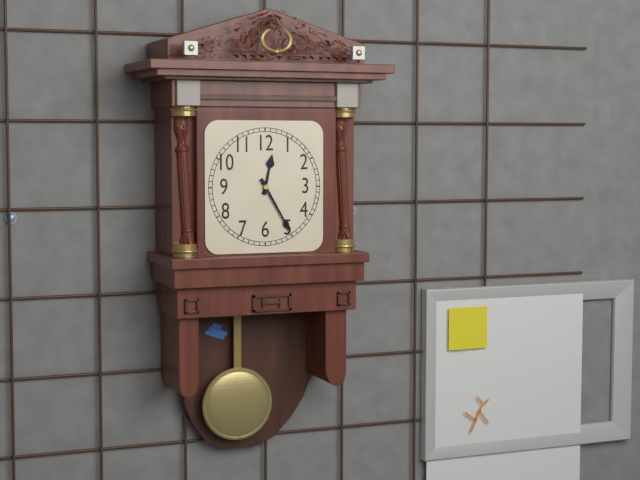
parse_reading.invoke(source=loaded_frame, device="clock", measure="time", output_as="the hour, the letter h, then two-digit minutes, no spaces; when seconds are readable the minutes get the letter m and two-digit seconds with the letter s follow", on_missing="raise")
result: 12h25
